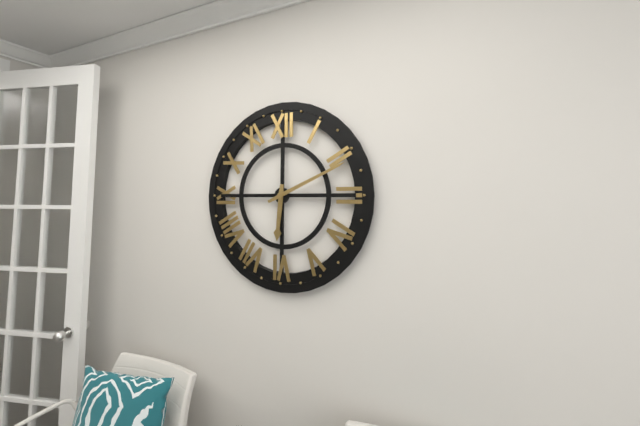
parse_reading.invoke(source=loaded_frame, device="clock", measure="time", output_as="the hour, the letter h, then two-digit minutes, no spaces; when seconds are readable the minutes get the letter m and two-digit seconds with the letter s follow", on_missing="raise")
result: 6h11
